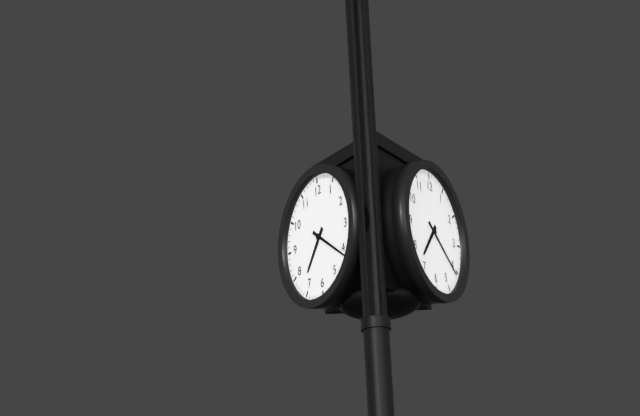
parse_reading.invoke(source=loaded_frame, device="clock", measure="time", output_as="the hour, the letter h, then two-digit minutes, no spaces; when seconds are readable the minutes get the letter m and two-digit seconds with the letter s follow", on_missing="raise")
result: 7h21
